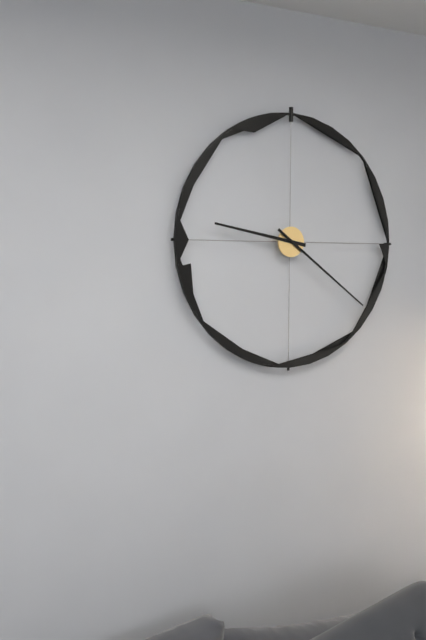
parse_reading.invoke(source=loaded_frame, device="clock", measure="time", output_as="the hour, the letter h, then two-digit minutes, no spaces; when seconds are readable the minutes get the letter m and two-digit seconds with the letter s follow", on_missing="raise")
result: 9h21
